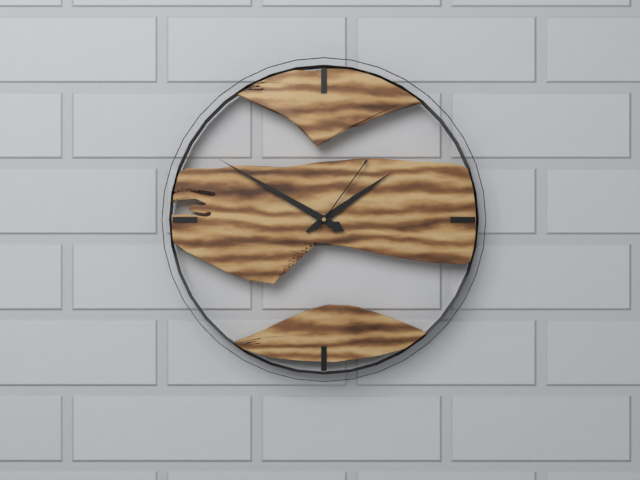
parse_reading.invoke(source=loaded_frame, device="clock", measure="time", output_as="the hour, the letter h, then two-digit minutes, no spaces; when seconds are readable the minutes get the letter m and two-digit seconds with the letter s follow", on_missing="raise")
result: 1h50m06s
